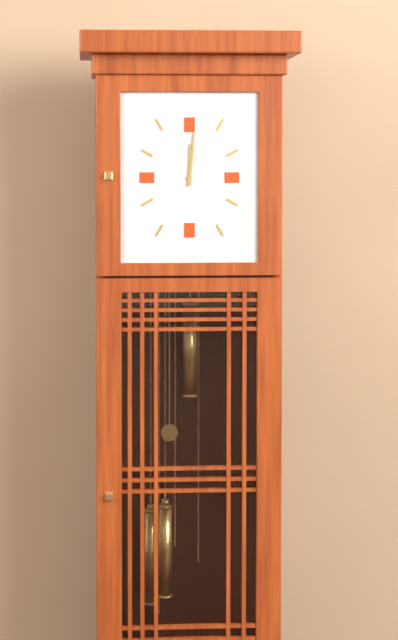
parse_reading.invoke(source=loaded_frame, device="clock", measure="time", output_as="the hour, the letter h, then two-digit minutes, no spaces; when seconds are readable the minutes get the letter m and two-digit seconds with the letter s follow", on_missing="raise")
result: 12h01
